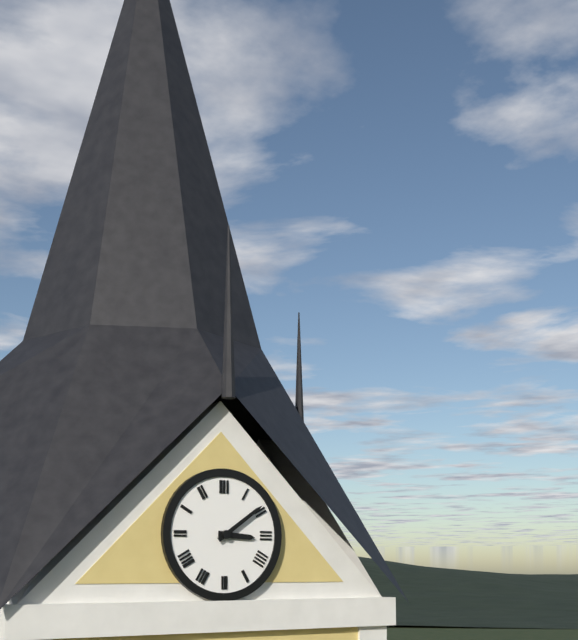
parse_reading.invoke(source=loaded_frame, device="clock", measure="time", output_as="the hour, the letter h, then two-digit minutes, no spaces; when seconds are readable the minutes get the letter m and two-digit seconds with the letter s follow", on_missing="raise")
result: 3h09
